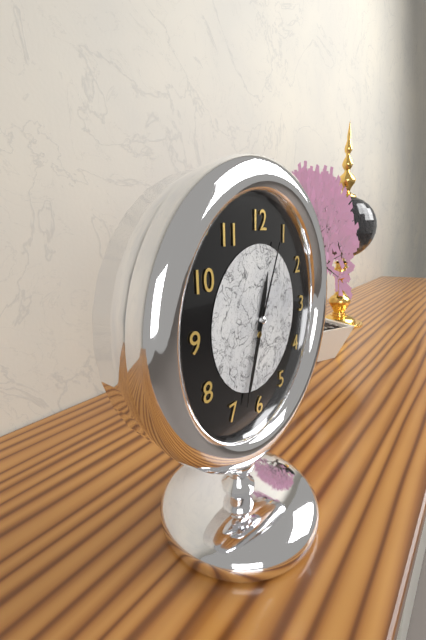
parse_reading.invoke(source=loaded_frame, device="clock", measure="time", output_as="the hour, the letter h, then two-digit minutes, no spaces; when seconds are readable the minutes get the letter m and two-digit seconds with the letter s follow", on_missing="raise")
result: 12h33m04s
